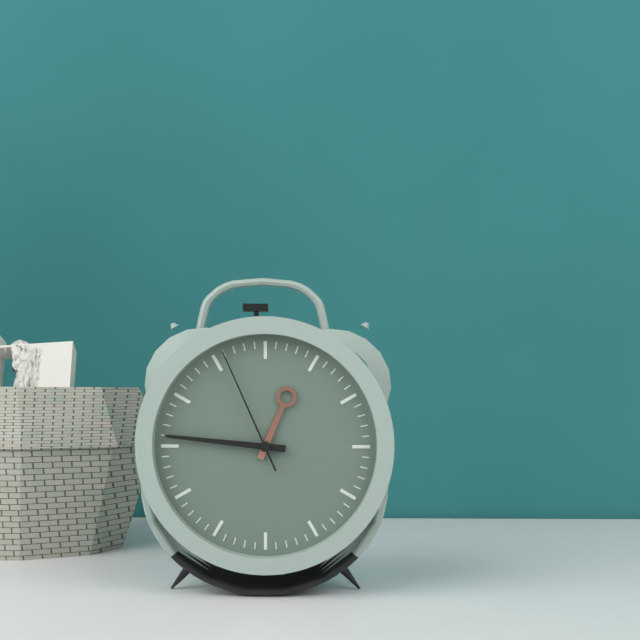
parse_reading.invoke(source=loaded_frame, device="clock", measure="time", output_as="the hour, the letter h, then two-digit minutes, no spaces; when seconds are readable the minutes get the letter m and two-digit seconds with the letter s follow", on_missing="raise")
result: 12h46m56s
